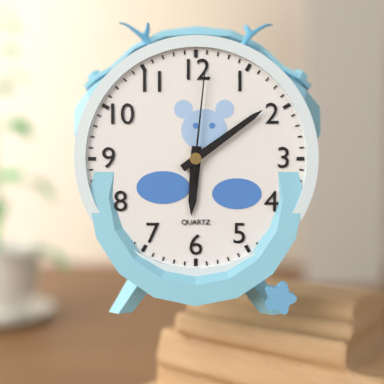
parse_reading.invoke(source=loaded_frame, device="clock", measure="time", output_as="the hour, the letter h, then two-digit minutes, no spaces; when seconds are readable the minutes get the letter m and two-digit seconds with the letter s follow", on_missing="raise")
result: 6h09m01s
